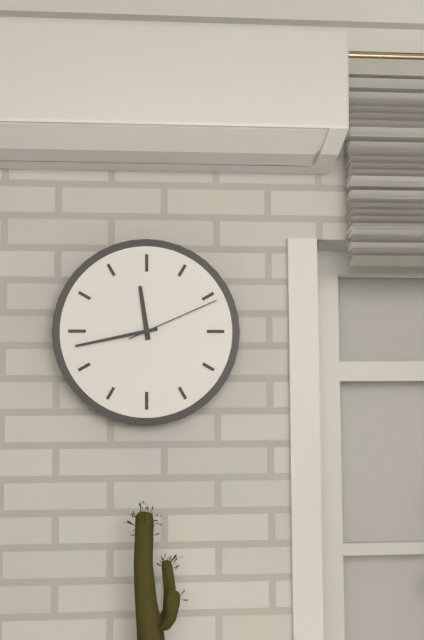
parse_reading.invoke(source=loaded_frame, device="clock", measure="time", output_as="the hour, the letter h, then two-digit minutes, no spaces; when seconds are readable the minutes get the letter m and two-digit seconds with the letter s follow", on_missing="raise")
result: 11h43m11s
